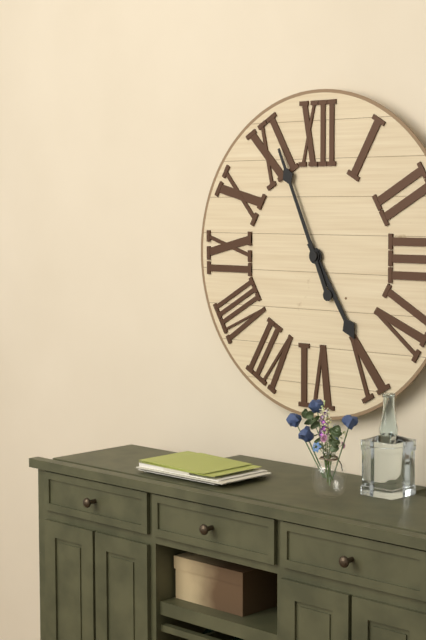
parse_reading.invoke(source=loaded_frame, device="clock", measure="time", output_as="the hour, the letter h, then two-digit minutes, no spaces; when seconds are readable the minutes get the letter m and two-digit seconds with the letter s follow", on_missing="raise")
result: 4h56
